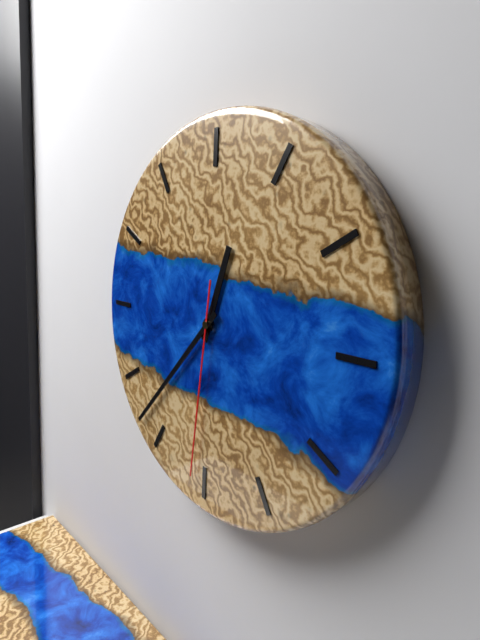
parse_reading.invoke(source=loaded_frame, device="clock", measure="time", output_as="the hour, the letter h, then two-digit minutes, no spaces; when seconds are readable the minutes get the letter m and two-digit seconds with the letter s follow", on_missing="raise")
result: 12h37m31s
